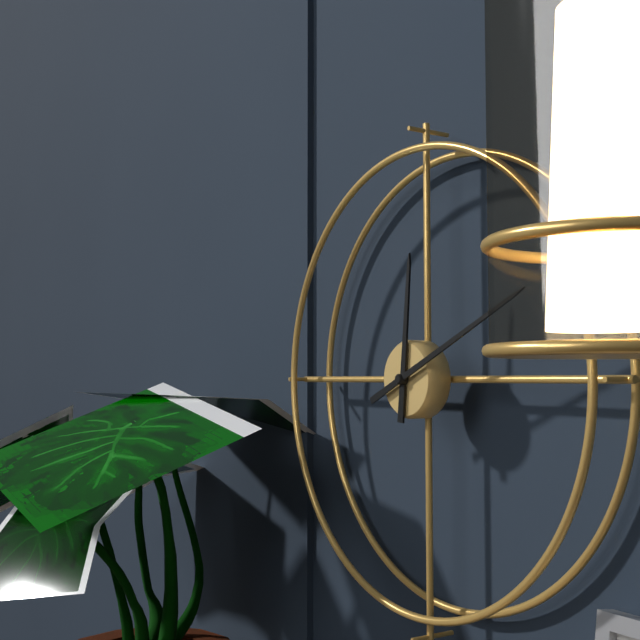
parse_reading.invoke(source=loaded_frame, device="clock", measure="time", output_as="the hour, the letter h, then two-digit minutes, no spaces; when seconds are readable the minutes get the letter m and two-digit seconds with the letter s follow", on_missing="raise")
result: 12h11
